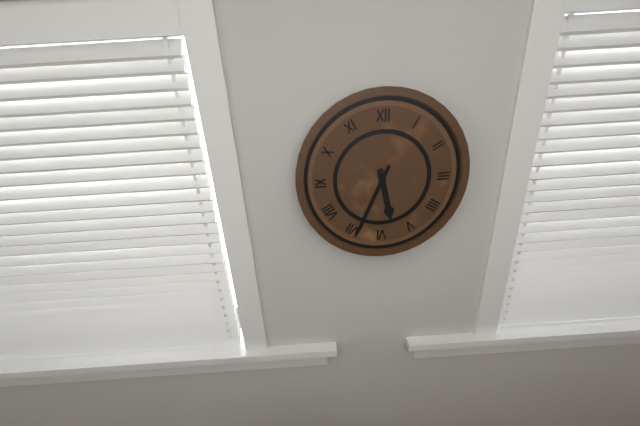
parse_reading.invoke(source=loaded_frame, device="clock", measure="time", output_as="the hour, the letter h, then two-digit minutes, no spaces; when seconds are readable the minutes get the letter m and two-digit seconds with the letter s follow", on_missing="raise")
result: 5h34
